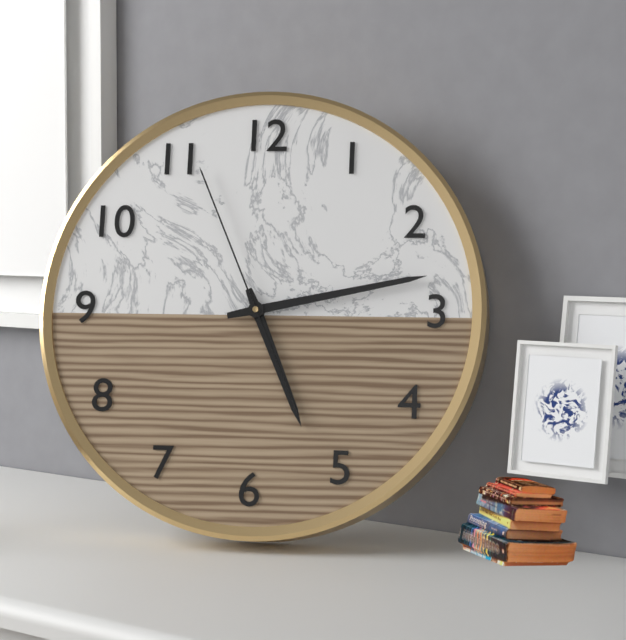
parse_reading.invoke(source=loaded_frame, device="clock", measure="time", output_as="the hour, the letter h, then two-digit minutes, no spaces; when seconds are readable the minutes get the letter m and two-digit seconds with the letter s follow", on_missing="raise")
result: 5h13m56s
